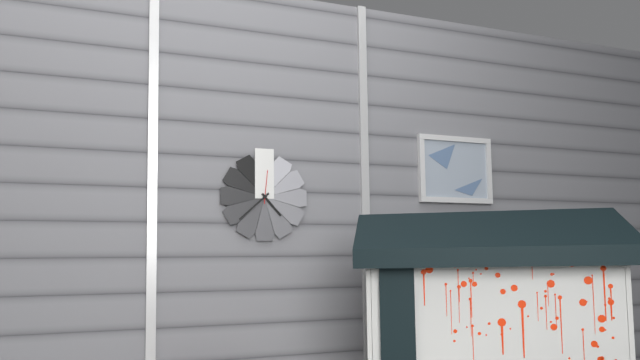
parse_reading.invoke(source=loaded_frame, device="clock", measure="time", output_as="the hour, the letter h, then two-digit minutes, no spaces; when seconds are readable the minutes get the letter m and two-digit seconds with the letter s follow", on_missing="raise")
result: 4h38
